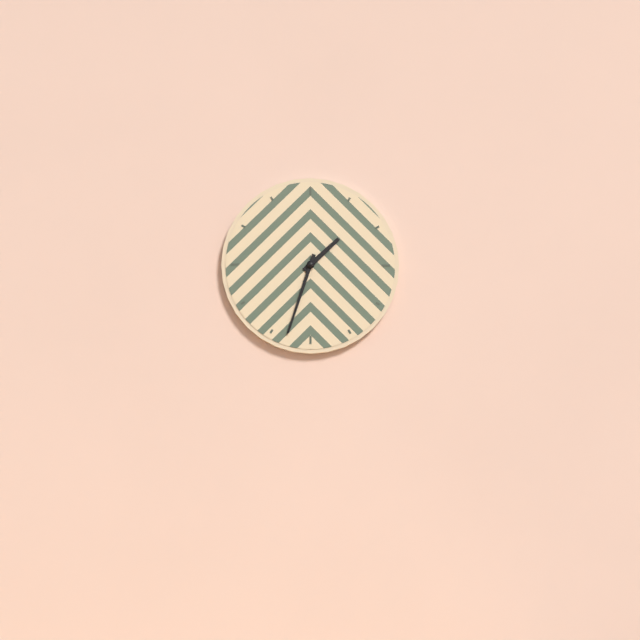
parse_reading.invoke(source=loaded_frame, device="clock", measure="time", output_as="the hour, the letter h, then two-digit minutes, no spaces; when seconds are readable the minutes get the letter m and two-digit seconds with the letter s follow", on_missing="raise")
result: 1h33
